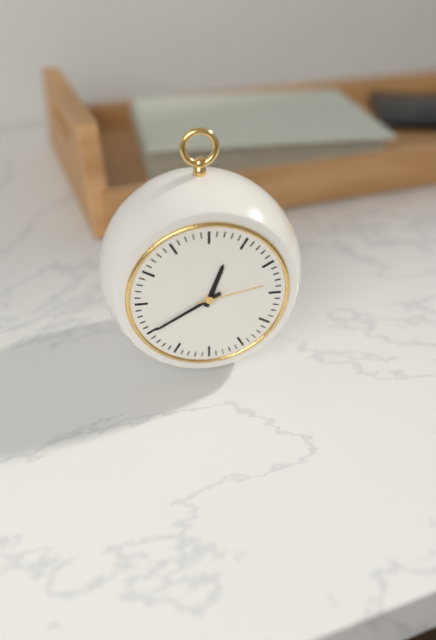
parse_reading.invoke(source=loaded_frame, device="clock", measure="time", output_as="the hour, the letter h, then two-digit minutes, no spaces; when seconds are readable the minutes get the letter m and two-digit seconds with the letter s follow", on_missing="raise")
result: 12h40m13s
